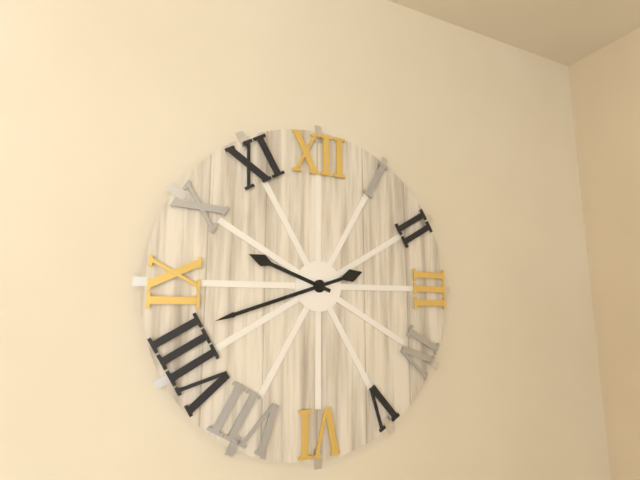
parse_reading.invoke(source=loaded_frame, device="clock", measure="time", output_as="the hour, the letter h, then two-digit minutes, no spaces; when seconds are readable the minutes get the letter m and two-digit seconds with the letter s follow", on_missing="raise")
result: 9h42
